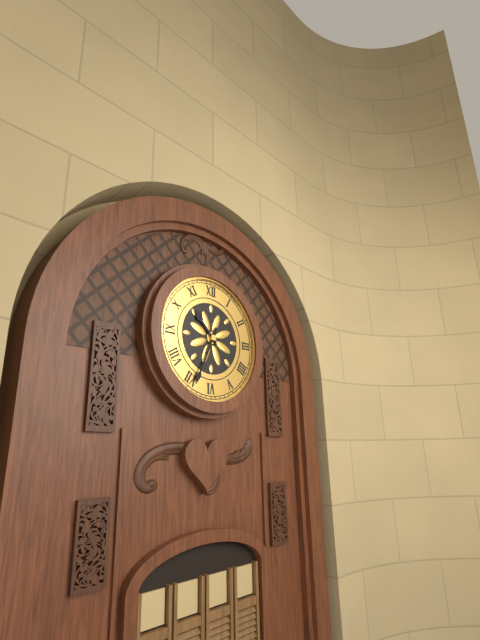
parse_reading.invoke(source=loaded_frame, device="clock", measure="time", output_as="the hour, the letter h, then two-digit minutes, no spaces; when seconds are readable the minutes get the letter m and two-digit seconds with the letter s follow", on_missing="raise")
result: 10h34
